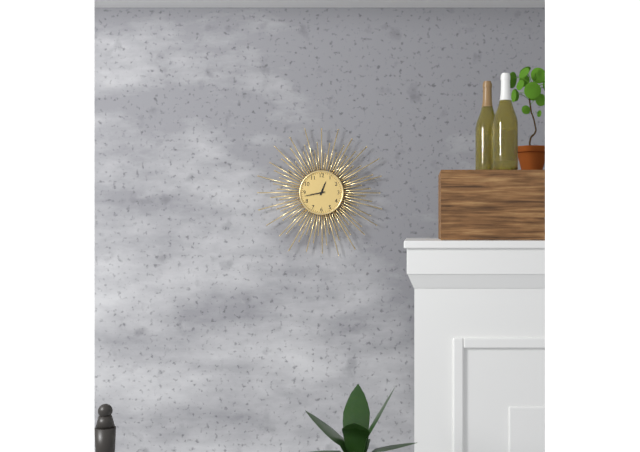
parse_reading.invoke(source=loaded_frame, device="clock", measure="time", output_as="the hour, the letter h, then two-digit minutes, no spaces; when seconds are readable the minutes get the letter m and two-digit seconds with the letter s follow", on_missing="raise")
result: 12h43
